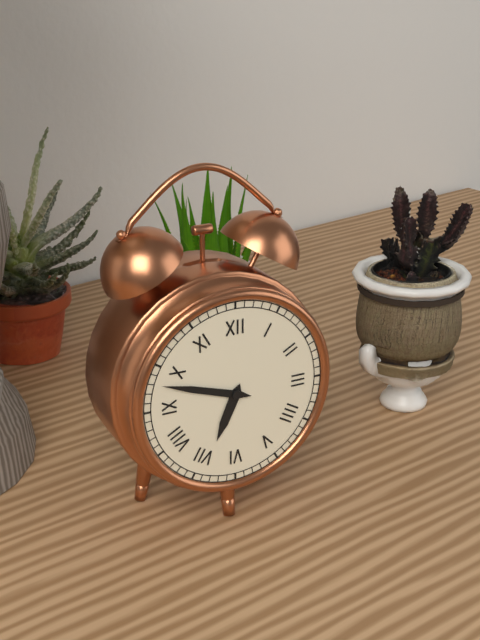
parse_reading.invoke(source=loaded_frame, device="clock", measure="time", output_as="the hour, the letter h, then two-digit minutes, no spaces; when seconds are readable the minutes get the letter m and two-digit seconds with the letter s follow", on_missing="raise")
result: 6h48
